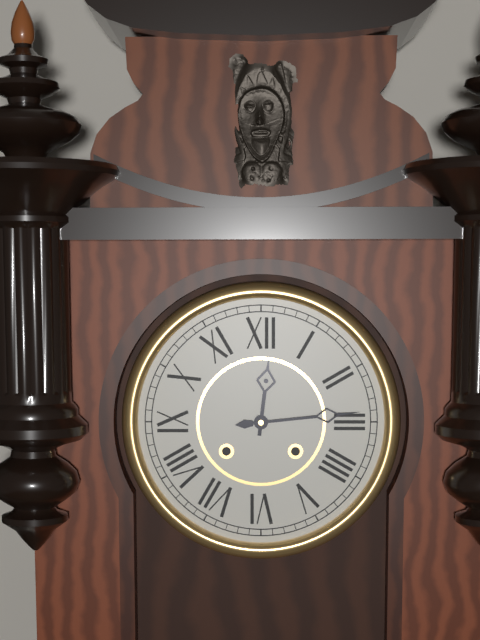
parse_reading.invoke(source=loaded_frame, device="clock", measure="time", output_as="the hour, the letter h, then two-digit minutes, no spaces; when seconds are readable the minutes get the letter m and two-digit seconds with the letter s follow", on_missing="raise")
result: 12h14
